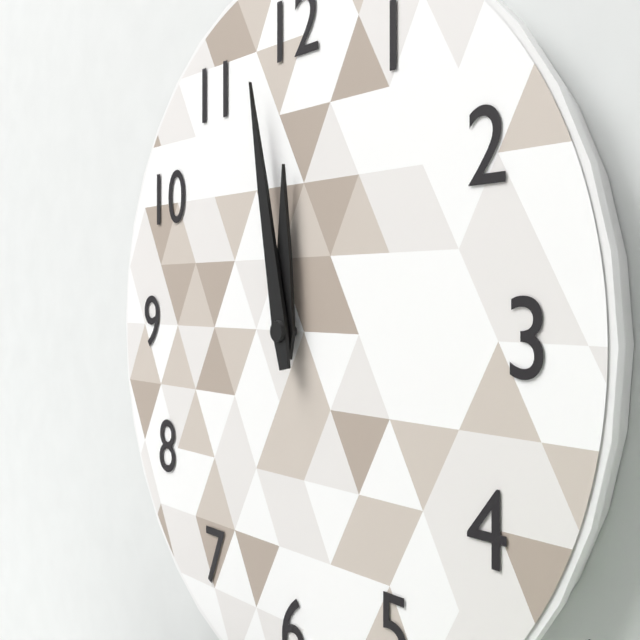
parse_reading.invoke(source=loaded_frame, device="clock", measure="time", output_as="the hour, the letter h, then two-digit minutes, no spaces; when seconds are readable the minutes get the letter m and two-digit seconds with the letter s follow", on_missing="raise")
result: 11h58
